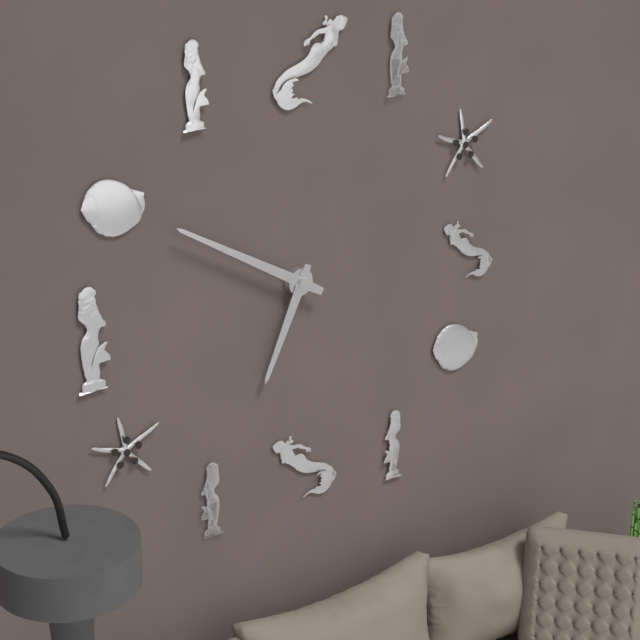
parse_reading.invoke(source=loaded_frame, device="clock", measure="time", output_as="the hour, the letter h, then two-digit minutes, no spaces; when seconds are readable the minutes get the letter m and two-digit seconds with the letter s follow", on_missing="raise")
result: 6h50
